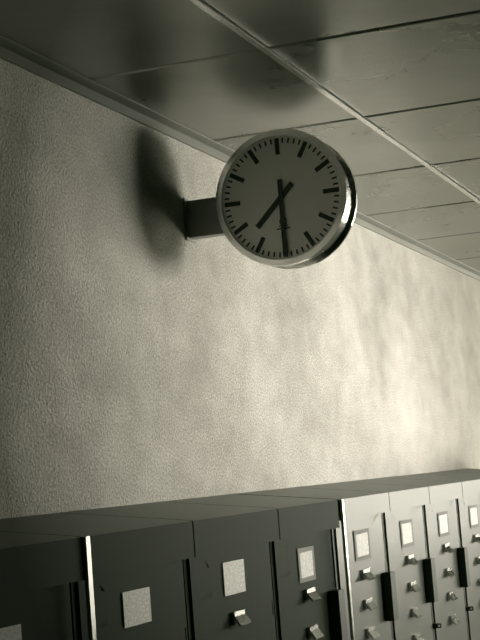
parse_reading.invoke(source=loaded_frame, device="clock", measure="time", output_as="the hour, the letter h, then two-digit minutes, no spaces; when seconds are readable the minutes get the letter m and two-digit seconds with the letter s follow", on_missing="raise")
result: 7h30
